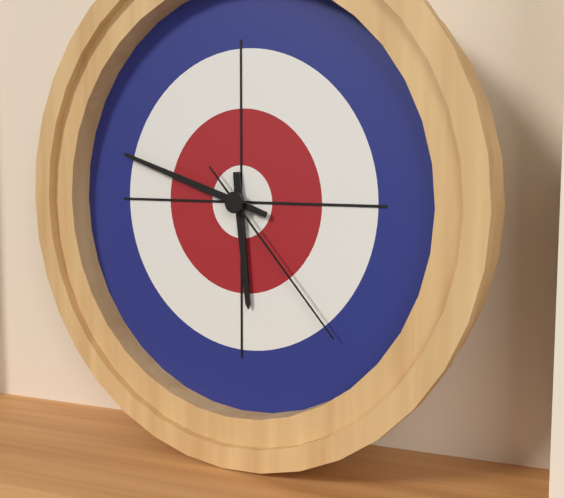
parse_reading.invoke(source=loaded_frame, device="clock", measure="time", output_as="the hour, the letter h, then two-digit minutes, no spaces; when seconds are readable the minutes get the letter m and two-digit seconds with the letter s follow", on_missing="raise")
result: 5h48m23s
